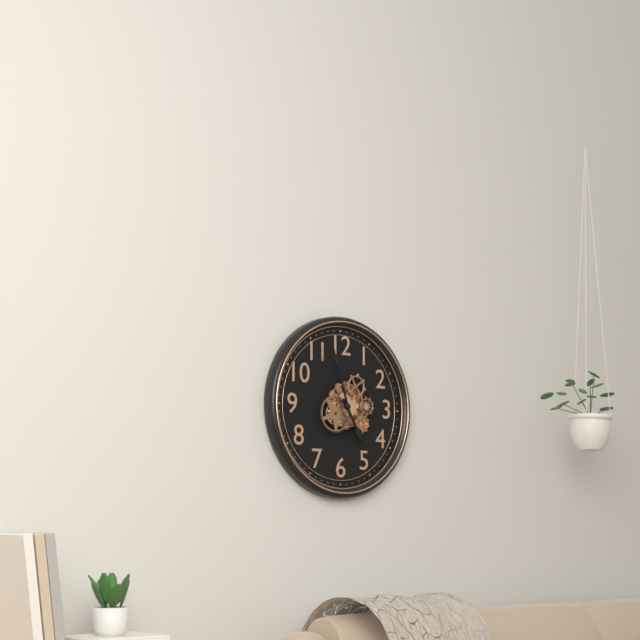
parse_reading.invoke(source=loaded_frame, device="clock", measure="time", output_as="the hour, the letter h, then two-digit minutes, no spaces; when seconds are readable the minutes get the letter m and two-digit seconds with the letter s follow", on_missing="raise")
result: 4h57
